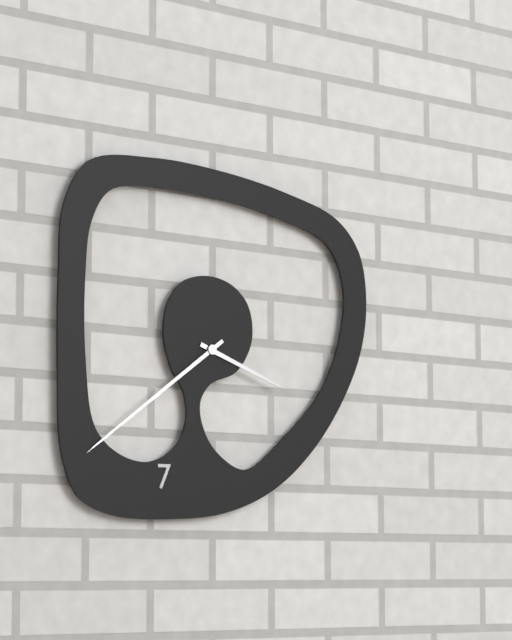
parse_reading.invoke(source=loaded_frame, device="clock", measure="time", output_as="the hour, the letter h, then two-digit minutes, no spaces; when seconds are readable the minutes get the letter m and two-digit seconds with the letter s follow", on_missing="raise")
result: 3h39
